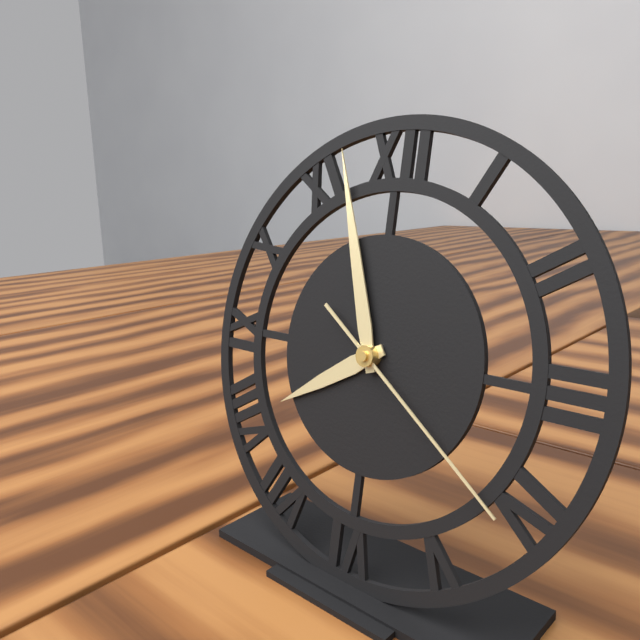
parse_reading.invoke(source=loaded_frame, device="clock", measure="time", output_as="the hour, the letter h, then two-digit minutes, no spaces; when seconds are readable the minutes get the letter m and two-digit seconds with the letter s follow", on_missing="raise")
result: 7h57m21s
